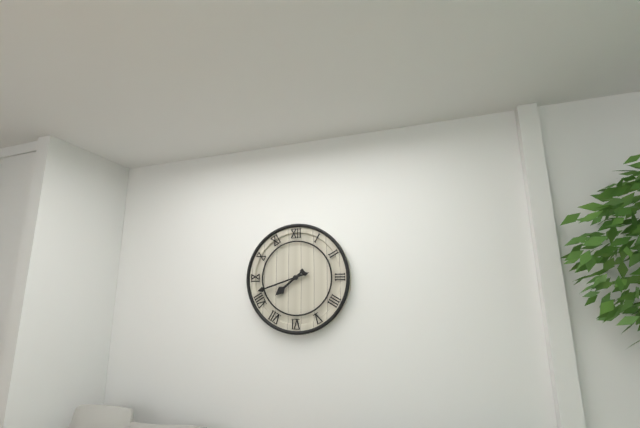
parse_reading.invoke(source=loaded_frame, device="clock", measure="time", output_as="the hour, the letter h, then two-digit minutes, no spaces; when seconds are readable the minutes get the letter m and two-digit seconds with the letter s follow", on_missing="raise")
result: 7h42
